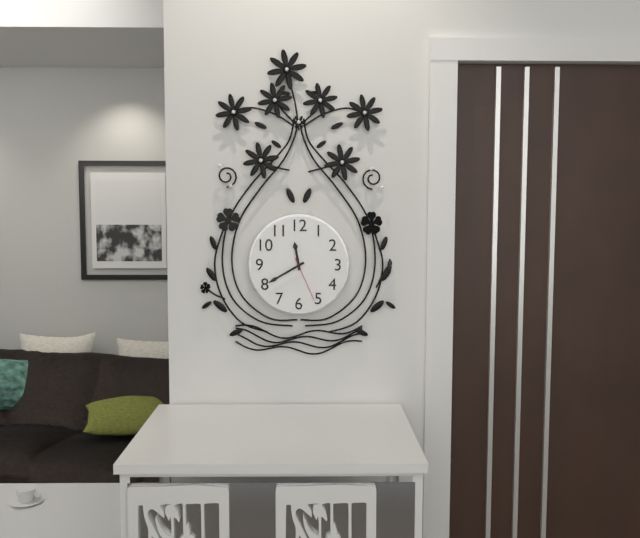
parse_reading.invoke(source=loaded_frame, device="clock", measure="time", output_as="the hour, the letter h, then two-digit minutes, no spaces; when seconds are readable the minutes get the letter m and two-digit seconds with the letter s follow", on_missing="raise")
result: 11h40
